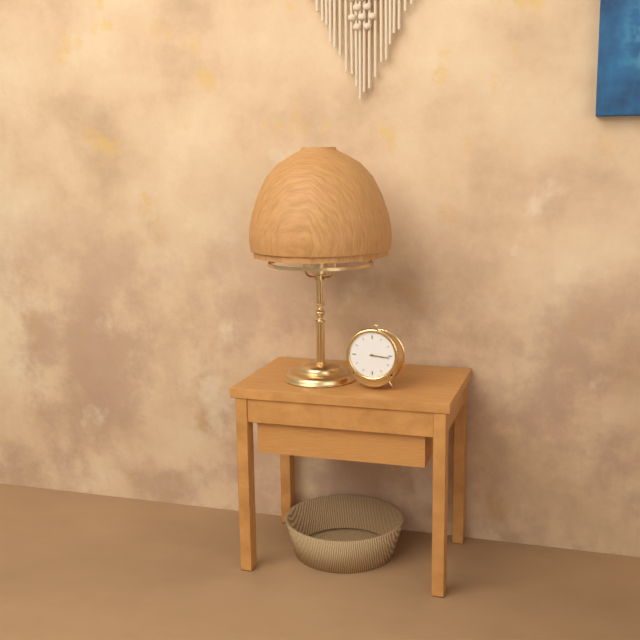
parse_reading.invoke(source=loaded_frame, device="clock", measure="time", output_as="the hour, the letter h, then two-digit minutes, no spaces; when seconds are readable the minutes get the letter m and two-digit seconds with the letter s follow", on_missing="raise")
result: 3h16
